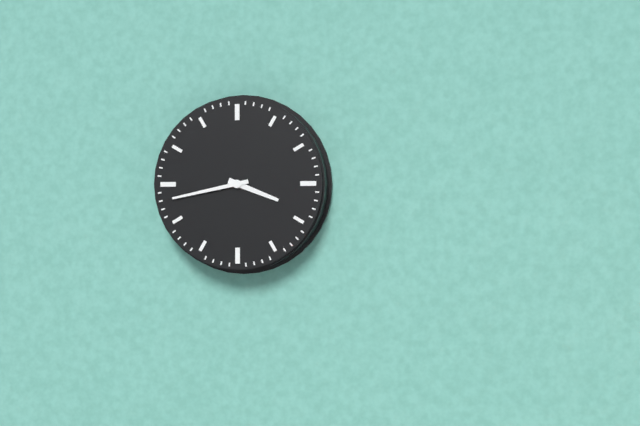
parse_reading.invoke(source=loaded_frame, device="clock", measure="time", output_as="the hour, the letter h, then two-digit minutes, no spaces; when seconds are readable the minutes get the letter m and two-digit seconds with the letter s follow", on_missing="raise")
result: 3h43
